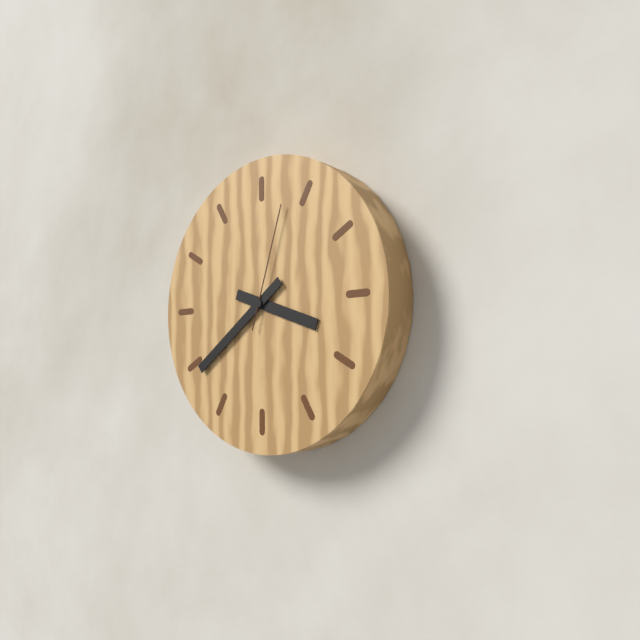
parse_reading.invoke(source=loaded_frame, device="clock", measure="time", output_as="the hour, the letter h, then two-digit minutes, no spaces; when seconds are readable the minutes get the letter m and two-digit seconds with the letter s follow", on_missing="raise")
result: 3h39m03s
